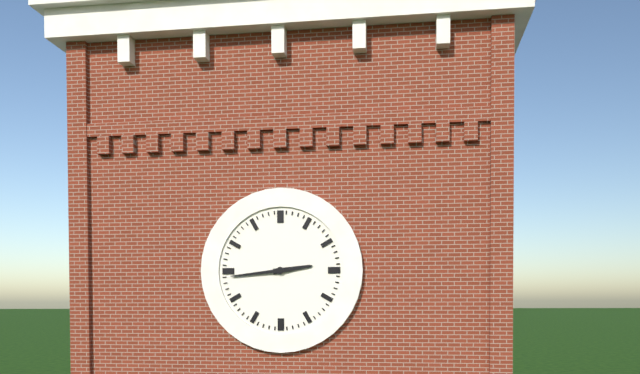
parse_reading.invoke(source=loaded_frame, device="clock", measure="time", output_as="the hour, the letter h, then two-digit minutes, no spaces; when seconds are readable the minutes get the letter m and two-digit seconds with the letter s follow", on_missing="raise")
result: 2h44
